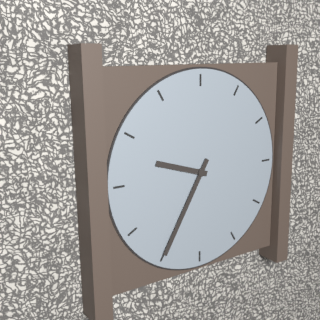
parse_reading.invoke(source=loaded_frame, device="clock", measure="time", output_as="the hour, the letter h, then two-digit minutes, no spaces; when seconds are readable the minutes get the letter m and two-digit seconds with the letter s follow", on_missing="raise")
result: 9h35
